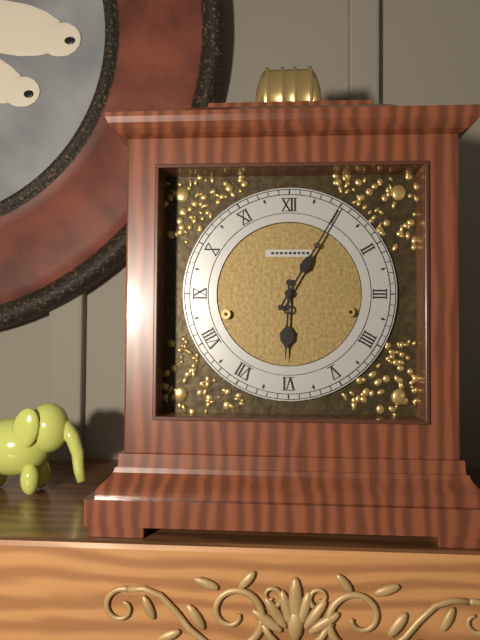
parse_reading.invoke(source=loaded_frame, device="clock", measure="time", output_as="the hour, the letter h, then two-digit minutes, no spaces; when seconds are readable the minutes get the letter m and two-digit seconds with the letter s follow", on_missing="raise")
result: 6h05
